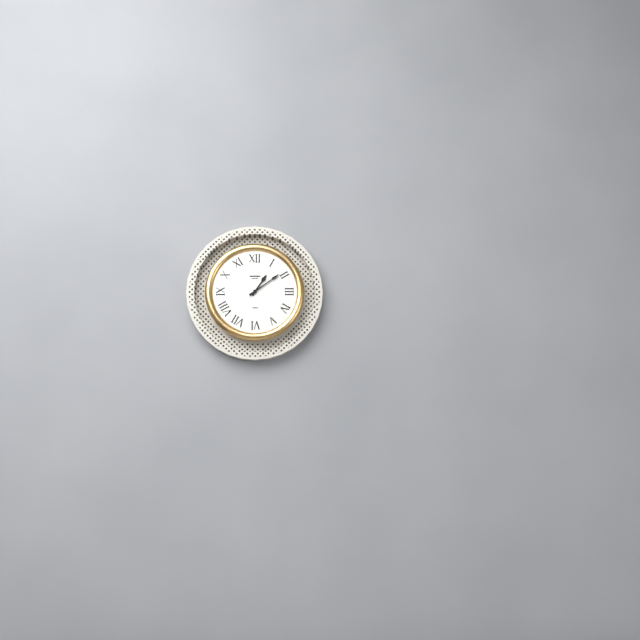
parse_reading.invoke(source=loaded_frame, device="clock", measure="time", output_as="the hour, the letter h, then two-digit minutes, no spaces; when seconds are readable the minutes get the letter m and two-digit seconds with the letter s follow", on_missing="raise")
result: 1h09
